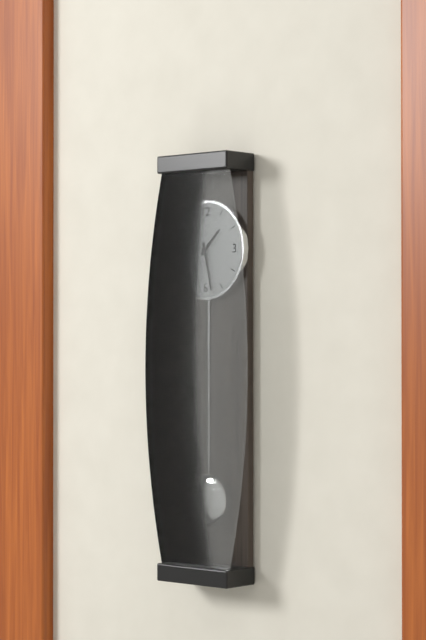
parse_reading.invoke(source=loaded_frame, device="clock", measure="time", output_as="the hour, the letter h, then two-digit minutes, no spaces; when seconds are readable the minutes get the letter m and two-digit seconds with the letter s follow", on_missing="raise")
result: 1h28
